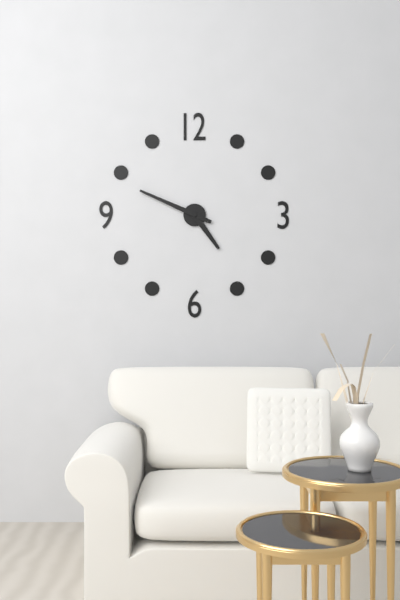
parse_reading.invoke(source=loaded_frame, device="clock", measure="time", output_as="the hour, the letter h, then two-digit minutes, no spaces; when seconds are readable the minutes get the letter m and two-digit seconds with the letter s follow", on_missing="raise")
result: 4h49
